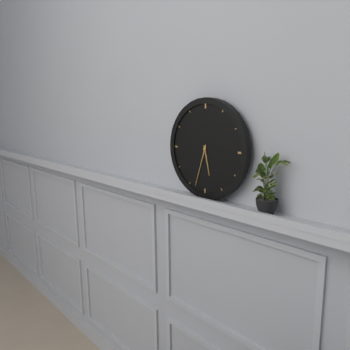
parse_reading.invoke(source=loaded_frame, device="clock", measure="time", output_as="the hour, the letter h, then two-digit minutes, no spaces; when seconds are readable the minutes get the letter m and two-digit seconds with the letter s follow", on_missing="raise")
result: 5h33
